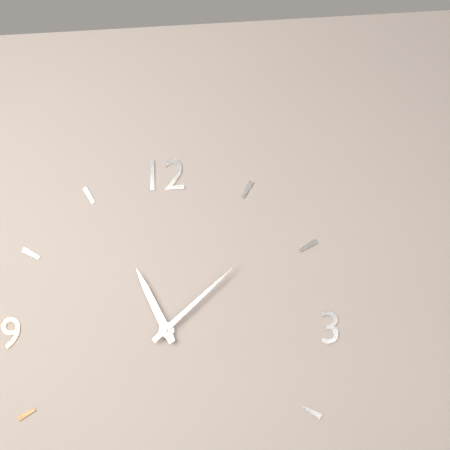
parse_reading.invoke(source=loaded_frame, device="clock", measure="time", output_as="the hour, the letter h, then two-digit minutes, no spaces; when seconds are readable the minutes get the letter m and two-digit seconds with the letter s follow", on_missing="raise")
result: 11h08
